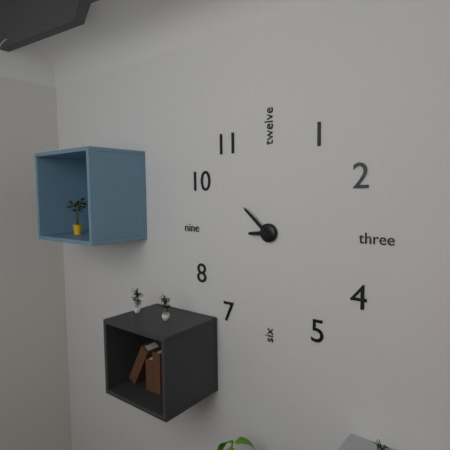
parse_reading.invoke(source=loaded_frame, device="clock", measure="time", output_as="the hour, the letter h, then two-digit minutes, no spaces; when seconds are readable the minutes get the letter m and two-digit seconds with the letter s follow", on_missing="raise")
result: 8h52
